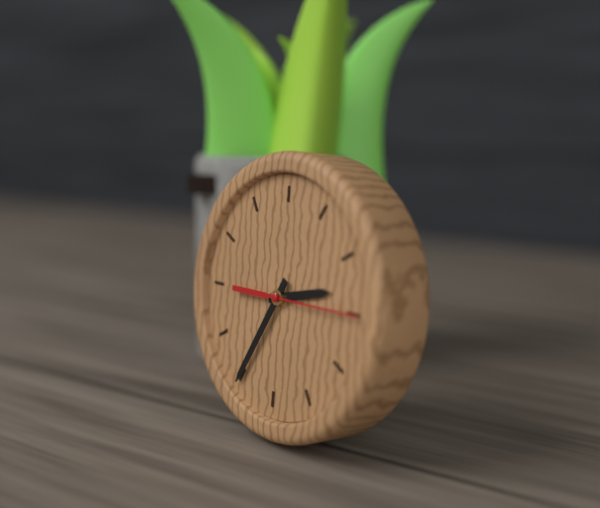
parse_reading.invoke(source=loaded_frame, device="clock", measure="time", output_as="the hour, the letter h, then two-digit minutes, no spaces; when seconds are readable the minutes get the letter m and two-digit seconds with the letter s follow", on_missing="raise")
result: 2h35m15s
